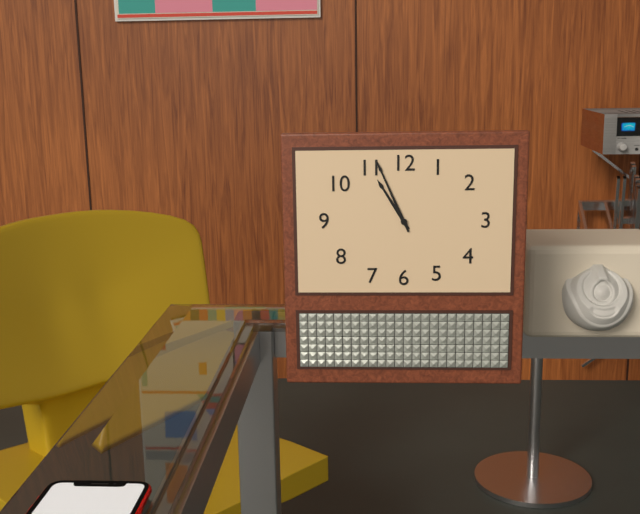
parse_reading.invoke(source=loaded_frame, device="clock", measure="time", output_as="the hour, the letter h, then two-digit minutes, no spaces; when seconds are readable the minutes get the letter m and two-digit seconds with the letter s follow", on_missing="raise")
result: 10h56
